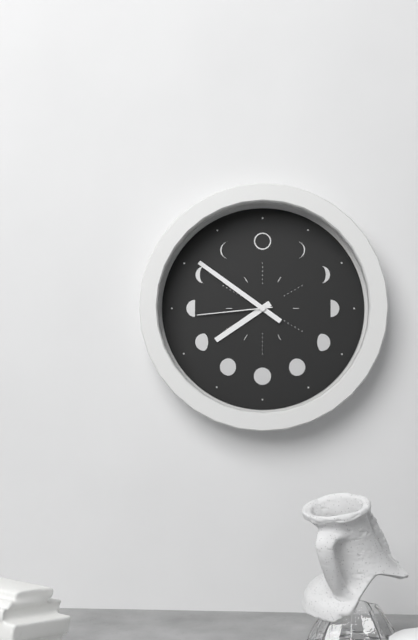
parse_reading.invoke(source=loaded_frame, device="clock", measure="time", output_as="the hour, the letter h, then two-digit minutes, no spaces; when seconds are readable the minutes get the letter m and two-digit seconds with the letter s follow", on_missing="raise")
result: 7h51m44s
